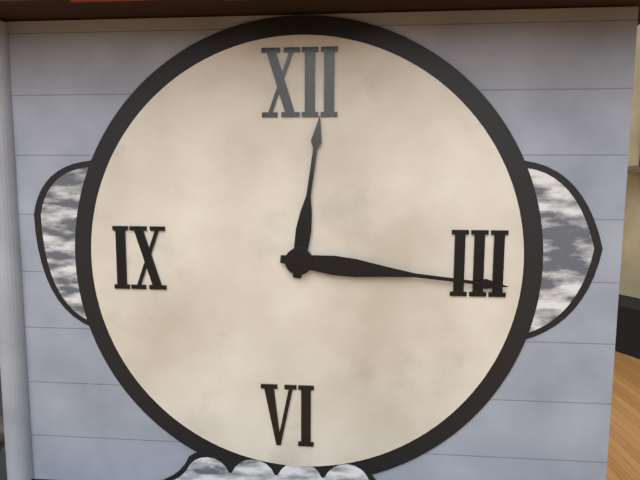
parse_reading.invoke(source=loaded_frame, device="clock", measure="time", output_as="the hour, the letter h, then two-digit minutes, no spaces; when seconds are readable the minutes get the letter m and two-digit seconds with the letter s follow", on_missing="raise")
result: 12h16
